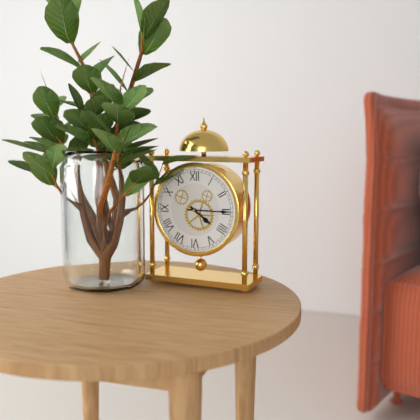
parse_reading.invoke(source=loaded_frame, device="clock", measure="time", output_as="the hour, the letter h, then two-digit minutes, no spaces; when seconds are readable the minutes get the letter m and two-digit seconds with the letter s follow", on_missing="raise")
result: 4h15
